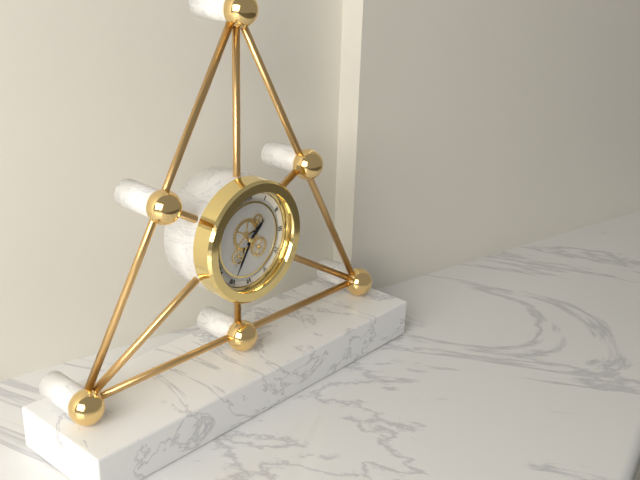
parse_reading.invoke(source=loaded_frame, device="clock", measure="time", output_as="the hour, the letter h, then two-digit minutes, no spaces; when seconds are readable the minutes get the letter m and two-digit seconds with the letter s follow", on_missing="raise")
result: 1h35
